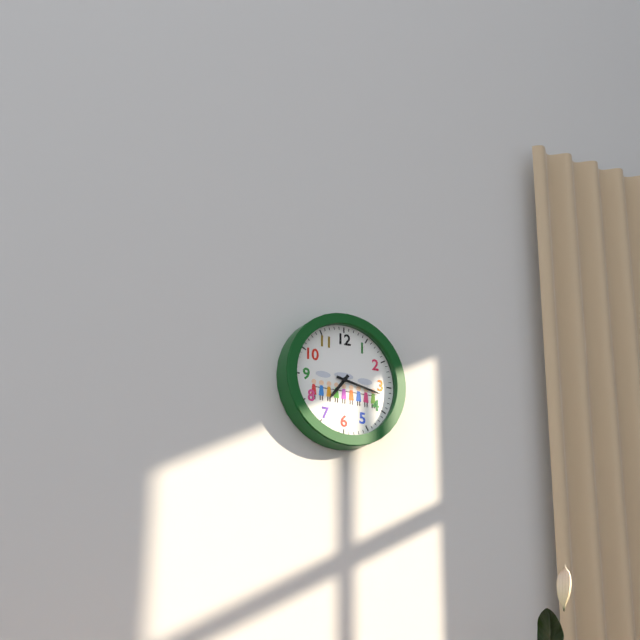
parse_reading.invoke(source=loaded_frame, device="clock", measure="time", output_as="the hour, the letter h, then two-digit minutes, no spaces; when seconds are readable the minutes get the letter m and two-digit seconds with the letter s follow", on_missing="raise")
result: 7h17
